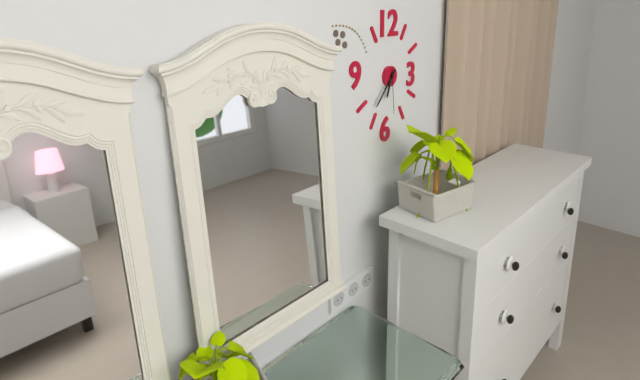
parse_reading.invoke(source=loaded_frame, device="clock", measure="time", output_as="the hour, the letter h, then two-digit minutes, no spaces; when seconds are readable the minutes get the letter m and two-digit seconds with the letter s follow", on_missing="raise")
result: 6h37
